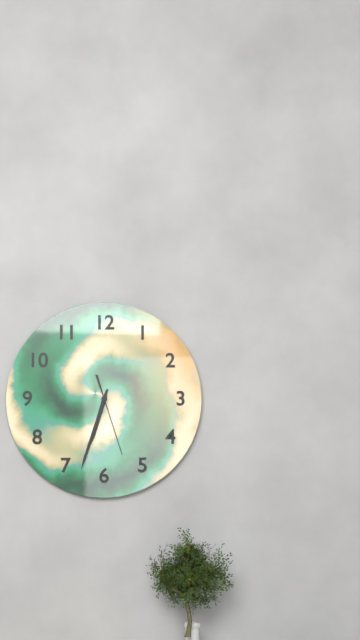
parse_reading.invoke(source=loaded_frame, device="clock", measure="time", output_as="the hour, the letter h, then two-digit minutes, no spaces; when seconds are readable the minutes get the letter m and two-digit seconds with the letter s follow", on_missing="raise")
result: 6h33m27s
